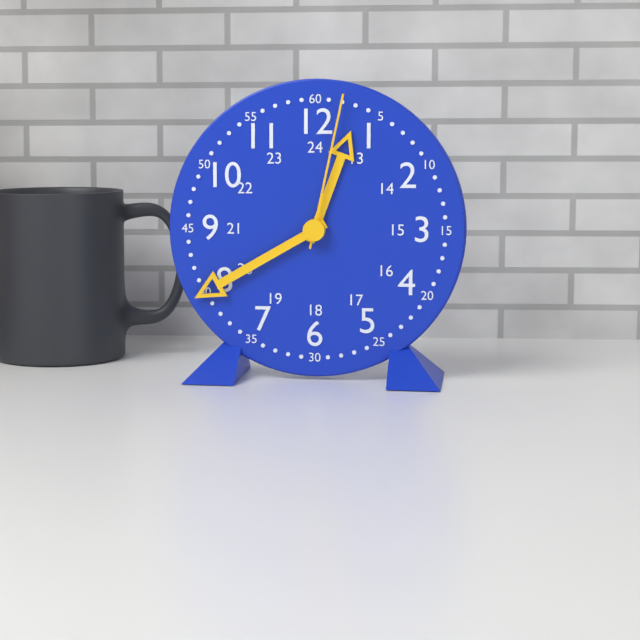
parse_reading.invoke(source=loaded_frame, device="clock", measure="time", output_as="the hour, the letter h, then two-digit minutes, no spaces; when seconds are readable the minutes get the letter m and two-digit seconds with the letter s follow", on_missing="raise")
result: 12h40m02s
